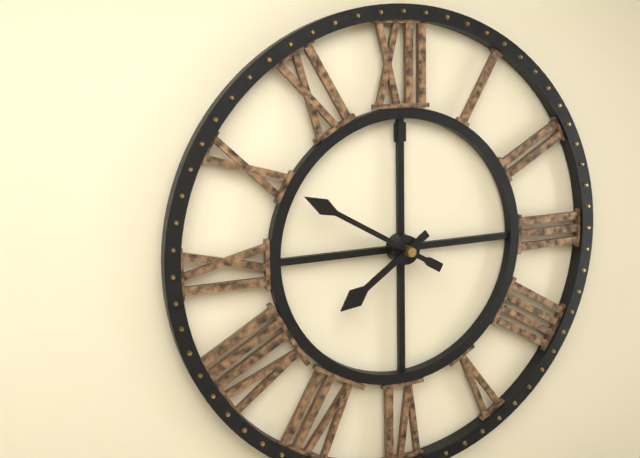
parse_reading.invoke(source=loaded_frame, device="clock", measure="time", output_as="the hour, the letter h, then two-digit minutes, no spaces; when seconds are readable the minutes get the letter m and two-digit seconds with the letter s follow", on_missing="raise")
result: 7h50
